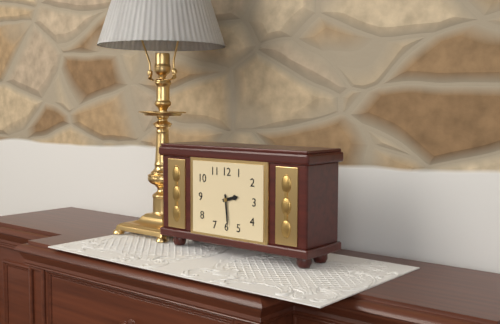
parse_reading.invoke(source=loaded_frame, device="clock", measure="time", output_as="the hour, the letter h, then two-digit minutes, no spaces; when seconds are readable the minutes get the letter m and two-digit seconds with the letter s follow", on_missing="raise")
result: 2h29
